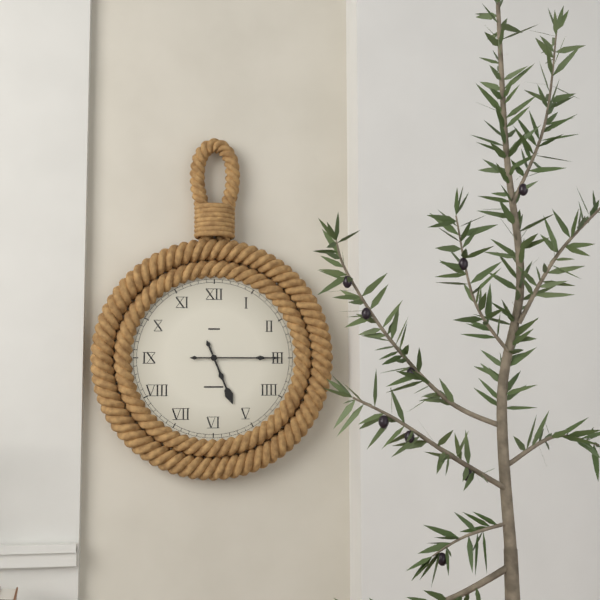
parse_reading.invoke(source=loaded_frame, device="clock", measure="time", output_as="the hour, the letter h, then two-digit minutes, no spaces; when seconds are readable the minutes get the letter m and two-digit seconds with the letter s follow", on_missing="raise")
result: 5h15
